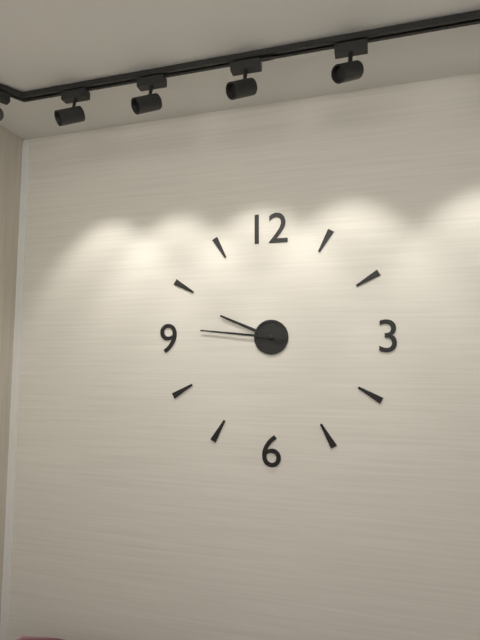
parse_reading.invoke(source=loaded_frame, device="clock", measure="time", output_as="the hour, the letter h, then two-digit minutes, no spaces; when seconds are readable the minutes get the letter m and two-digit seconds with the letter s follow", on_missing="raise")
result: 9h46
